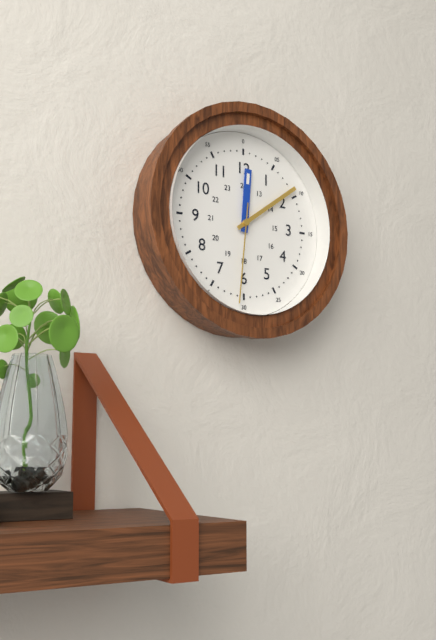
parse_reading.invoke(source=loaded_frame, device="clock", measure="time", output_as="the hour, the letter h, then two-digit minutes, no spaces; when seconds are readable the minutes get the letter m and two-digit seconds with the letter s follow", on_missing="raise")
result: 12h09m31s
